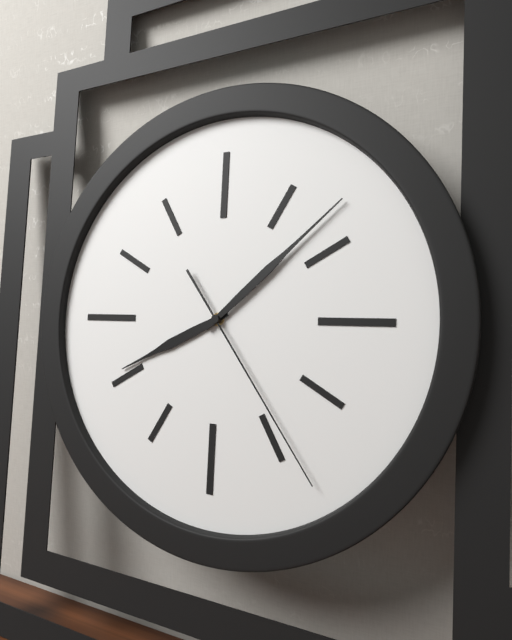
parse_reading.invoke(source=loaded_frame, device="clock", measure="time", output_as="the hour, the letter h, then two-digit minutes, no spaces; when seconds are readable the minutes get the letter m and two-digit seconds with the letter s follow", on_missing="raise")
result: 8h08m24s
